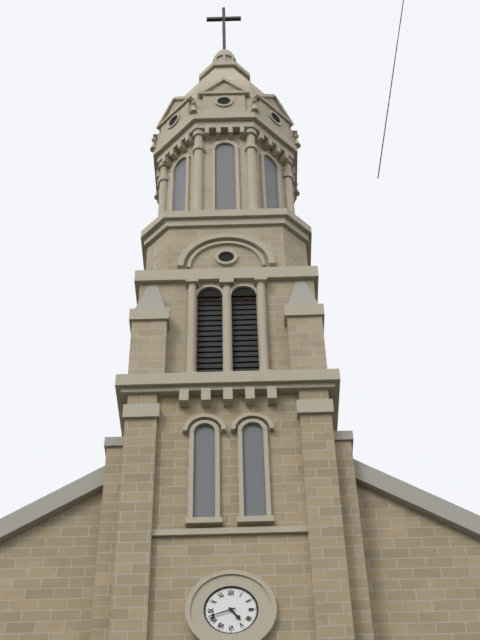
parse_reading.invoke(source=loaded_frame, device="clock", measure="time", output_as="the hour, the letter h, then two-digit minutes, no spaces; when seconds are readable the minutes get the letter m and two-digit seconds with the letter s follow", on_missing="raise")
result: 4h42
